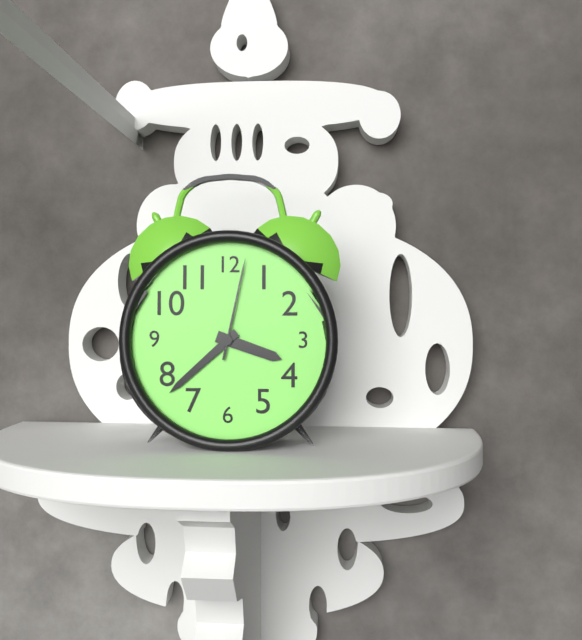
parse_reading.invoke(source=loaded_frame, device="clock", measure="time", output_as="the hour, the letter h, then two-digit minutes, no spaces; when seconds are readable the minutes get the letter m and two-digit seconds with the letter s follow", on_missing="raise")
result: 3h38m02s
